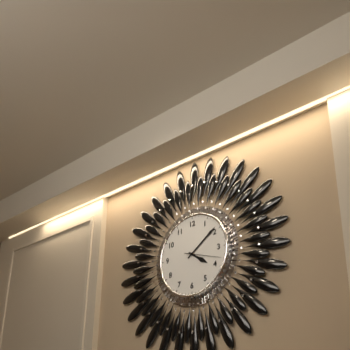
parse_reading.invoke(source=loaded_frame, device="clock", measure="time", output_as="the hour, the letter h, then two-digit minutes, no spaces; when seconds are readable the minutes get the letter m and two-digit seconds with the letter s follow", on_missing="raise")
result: 4h09
